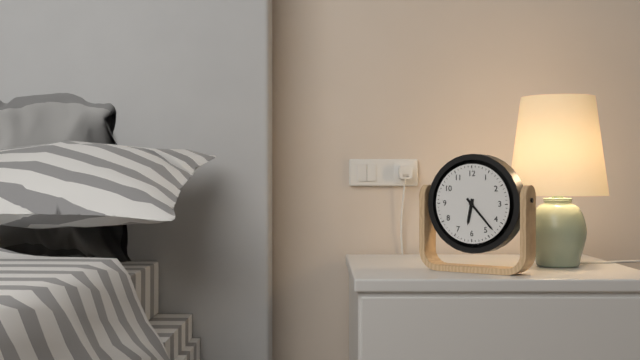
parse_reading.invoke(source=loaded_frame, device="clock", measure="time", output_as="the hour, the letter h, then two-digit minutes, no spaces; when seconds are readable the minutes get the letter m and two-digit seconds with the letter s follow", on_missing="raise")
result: 6h23
